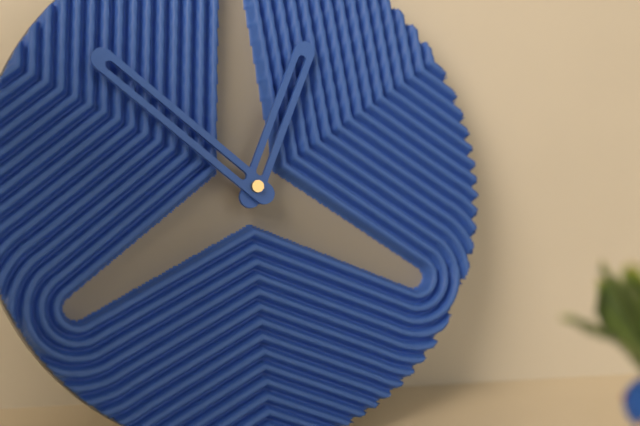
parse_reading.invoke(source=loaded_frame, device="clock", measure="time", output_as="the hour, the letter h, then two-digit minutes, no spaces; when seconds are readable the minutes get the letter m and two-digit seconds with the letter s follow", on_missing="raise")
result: 12h52
